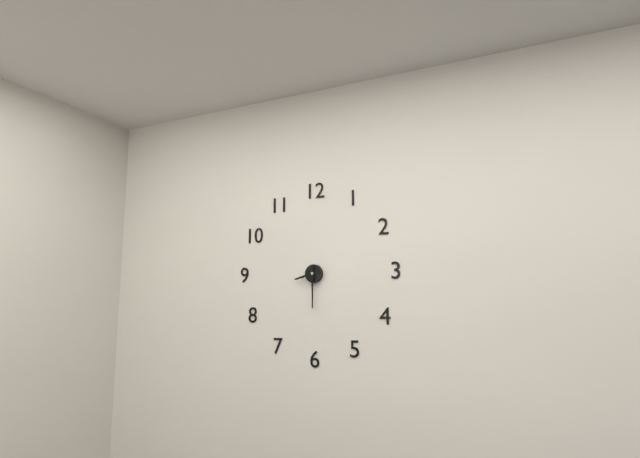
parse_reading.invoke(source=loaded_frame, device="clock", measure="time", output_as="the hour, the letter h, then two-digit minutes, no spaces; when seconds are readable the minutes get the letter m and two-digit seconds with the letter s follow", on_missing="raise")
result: 8h30
